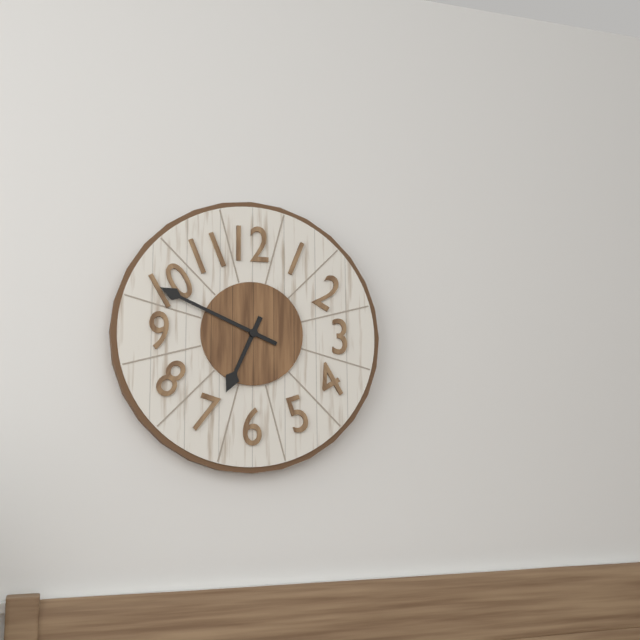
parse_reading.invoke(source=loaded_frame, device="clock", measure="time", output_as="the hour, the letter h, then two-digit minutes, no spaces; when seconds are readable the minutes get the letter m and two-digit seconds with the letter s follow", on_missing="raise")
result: 6h49
